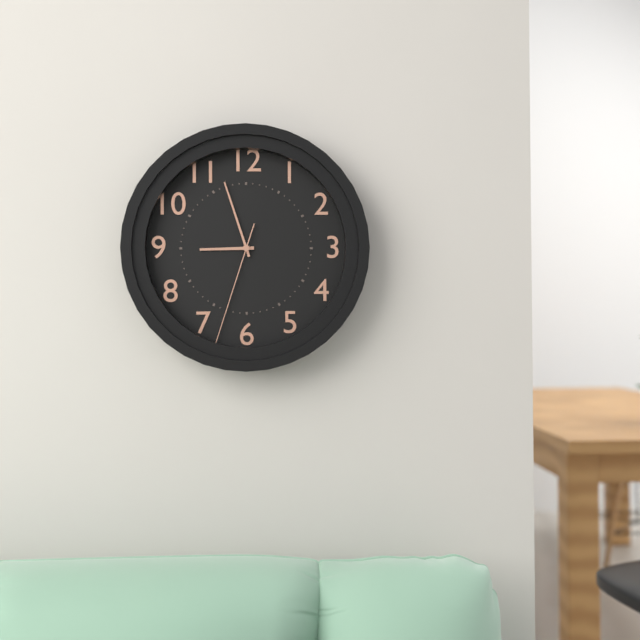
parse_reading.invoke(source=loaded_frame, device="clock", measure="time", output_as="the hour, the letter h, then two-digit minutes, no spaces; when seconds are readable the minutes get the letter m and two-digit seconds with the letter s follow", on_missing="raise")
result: 8h57m33s
